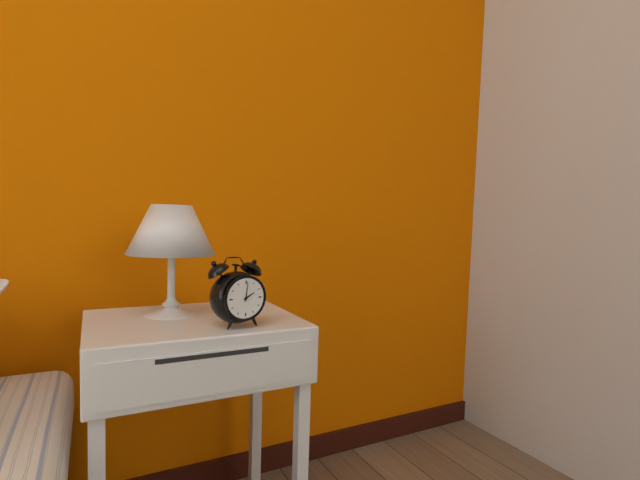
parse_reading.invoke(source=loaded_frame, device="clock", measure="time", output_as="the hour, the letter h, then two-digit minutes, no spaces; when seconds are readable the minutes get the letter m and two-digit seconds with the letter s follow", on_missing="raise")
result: 2h01
